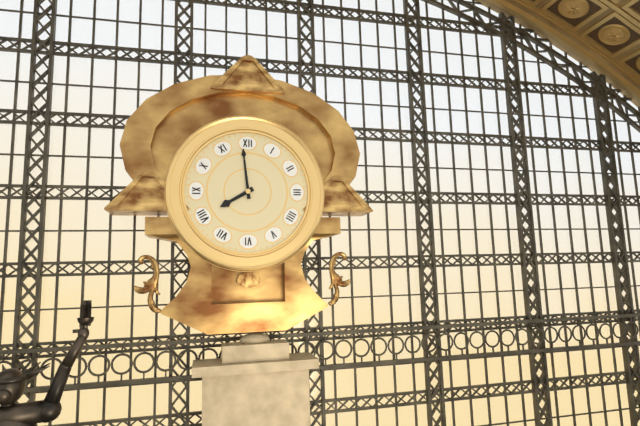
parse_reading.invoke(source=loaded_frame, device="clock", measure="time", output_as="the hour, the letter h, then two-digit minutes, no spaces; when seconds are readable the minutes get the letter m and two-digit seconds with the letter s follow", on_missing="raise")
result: 7h59
